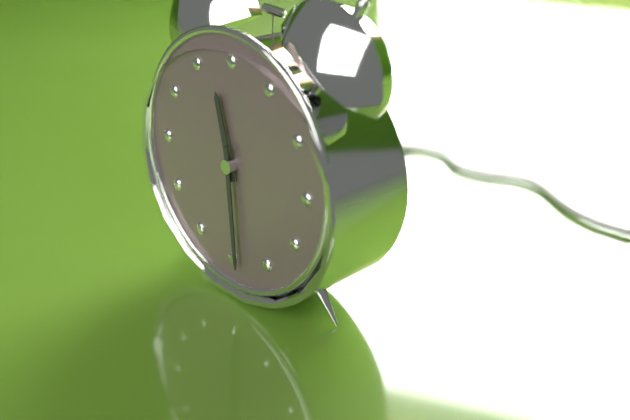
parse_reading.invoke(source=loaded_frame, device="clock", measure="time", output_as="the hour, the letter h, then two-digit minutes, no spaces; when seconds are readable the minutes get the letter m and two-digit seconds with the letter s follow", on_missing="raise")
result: 11h29
